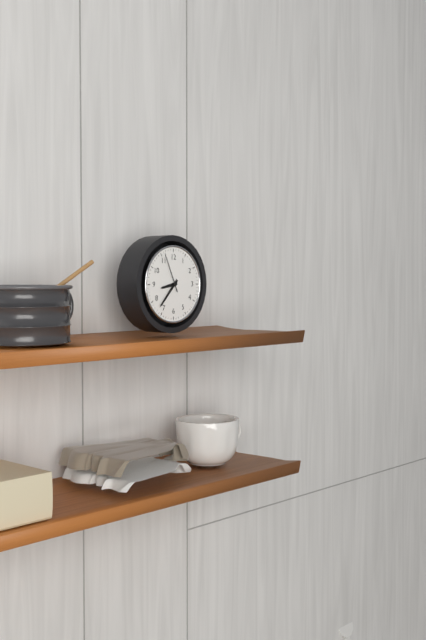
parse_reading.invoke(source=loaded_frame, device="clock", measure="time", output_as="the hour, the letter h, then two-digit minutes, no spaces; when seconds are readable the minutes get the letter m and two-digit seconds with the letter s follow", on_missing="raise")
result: 8h37
